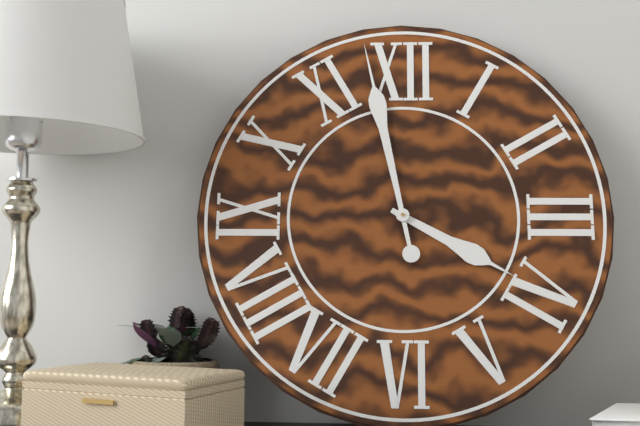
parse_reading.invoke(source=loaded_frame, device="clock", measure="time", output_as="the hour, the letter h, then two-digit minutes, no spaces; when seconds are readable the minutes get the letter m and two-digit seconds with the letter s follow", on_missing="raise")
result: 3h58
